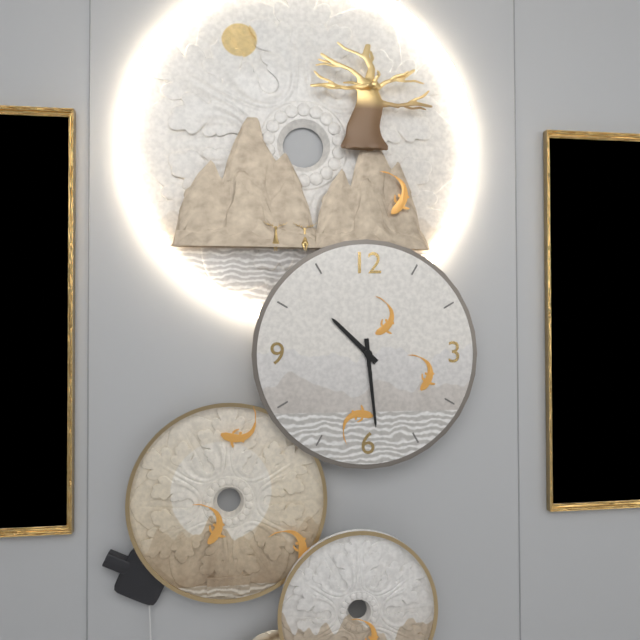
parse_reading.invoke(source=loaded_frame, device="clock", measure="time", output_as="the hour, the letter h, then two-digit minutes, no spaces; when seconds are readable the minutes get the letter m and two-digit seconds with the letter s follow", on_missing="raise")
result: 10h29
